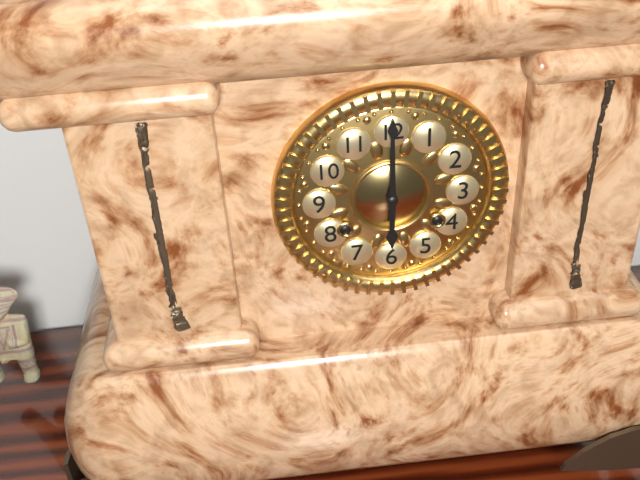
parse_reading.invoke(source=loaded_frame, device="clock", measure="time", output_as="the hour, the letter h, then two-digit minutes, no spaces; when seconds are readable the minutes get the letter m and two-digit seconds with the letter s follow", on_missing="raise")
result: 6h00
